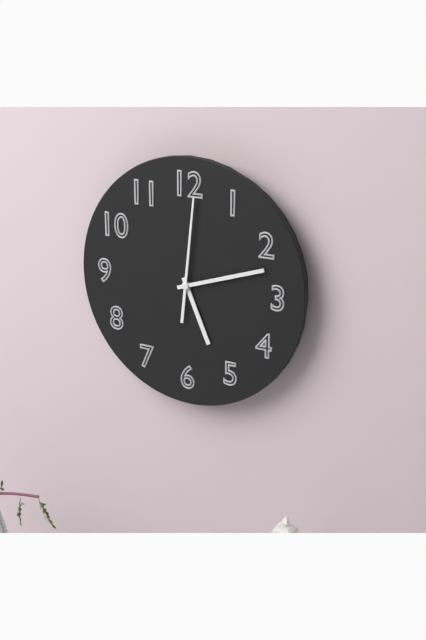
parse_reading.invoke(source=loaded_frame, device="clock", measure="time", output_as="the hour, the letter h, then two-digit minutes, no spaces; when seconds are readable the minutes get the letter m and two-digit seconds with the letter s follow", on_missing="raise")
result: 5h12m01s
